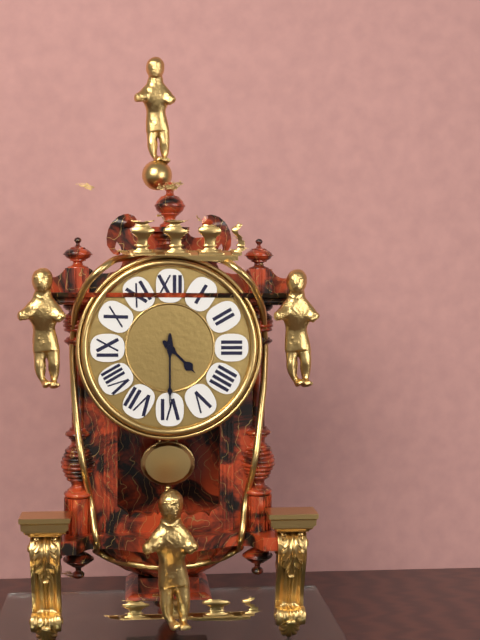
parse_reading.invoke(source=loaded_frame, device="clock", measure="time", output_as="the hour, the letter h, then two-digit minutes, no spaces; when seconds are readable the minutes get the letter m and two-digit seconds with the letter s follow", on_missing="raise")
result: 4h30
